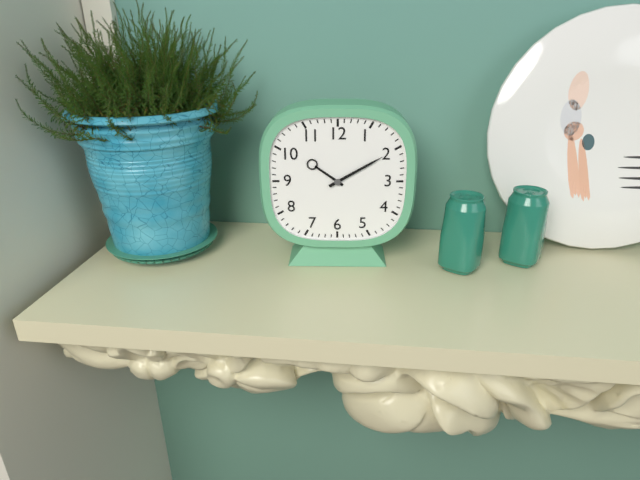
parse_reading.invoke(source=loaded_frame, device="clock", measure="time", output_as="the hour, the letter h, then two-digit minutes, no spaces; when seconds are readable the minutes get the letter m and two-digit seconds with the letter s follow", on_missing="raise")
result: 10h10
